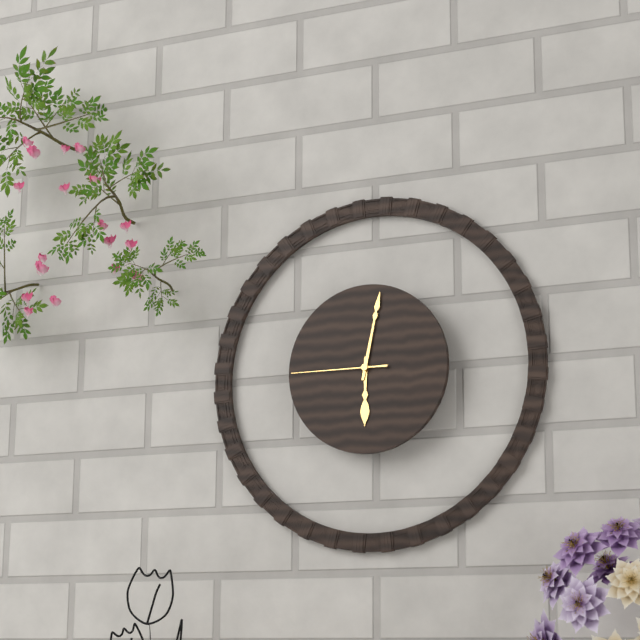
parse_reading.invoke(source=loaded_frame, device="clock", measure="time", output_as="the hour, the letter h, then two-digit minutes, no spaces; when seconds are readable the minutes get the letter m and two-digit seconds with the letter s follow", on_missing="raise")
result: 6h02m45s
